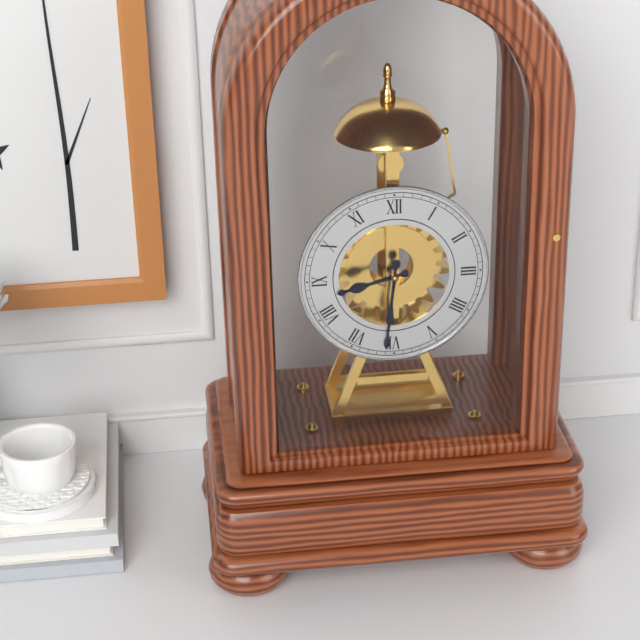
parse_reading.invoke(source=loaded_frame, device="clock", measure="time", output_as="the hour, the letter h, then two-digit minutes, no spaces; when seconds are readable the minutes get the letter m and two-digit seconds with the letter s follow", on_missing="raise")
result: 8h31
